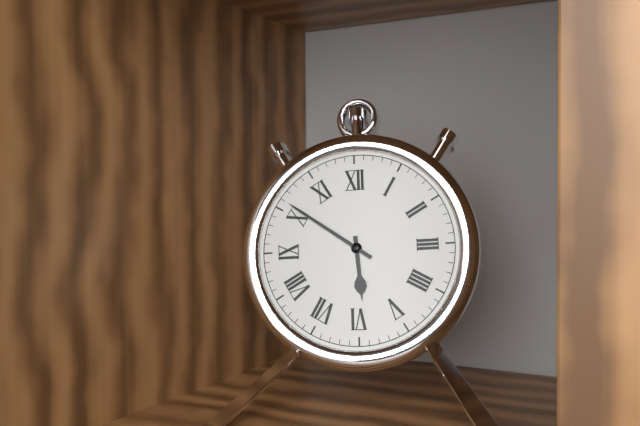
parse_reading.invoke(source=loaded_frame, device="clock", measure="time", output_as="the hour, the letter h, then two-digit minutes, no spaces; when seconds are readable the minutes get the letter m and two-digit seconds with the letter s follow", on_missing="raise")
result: 5h51
